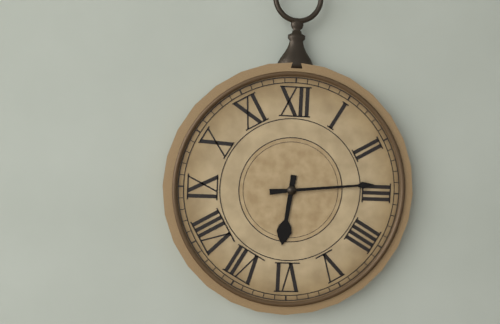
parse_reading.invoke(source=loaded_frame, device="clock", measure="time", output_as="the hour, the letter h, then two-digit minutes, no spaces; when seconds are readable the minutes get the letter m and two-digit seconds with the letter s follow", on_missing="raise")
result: 6h14
